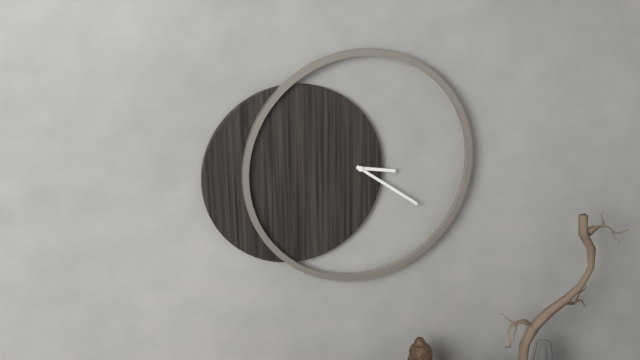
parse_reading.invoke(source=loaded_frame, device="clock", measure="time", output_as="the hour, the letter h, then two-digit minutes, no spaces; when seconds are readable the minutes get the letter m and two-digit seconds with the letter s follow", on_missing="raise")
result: 3h21
